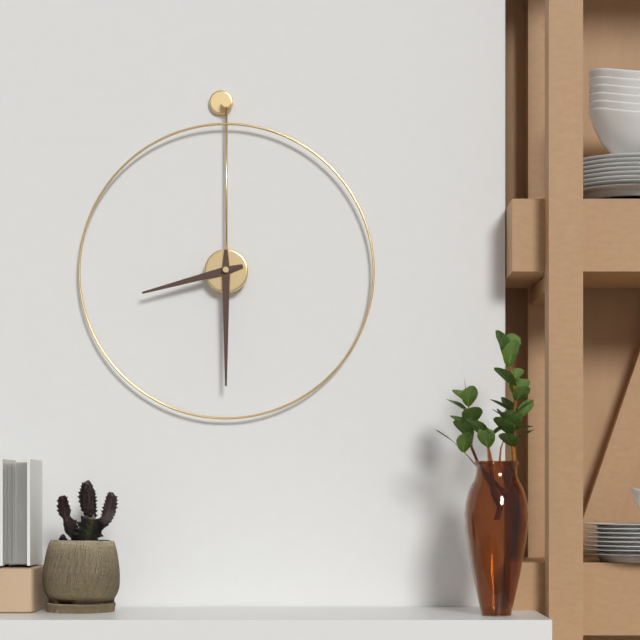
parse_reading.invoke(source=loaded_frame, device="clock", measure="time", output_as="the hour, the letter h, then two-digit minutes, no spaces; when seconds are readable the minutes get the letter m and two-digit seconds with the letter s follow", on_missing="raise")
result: 8h30
